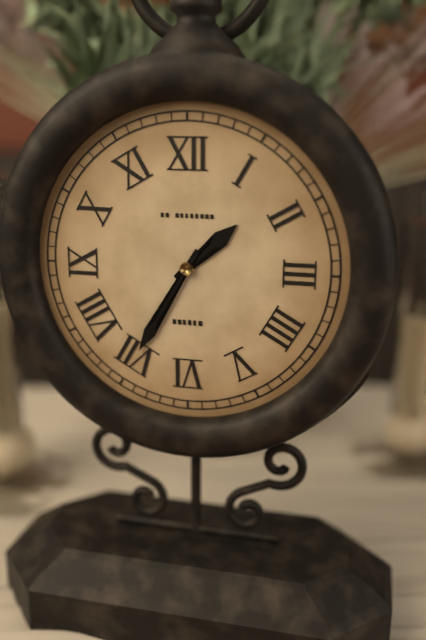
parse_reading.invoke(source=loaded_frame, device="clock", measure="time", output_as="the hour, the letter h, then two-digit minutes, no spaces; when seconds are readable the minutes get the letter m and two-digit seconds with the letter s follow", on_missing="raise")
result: 1h35
